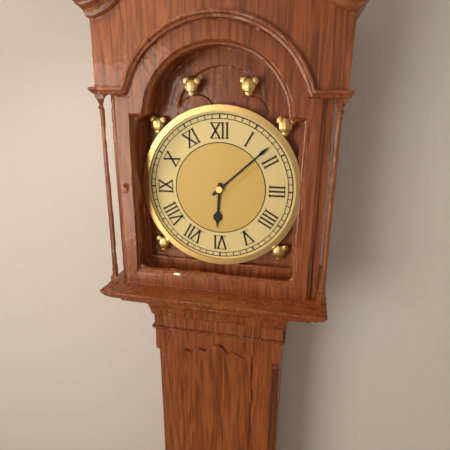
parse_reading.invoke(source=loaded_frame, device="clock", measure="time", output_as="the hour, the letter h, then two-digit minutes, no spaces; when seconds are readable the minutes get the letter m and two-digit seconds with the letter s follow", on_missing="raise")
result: 6h08
